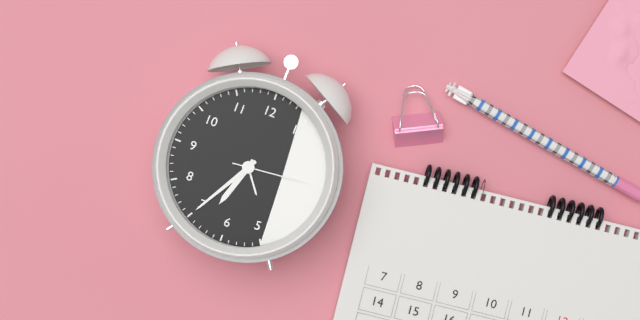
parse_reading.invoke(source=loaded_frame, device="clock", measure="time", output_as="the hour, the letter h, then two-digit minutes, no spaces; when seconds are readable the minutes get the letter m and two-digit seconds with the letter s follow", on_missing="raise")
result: 6h35m14s
